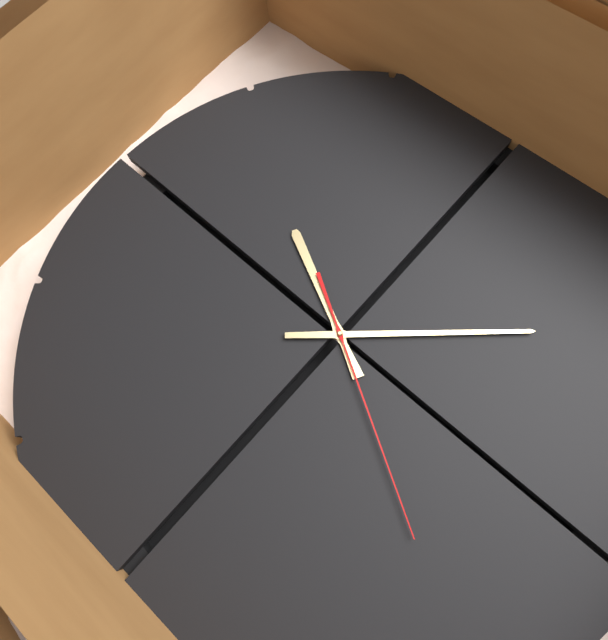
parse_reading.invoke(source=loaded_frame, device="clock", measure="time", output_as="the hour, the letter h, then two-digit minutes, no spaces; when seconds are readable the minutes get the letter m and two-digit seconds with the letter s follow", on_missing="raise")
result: 6h53m05s
